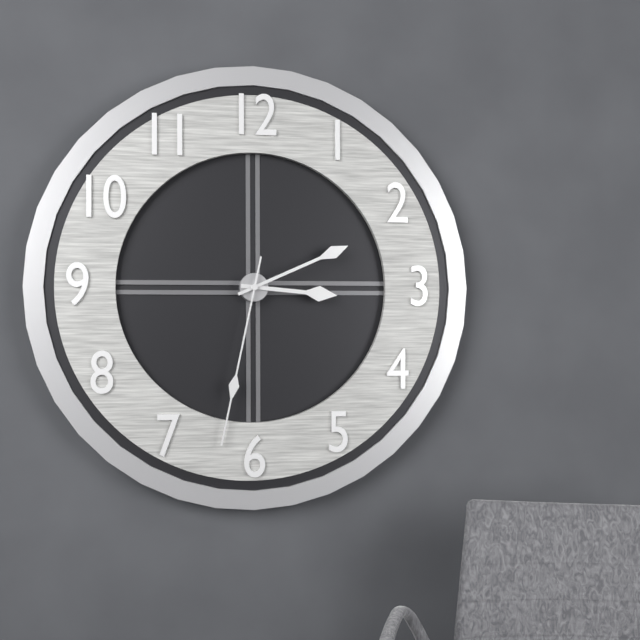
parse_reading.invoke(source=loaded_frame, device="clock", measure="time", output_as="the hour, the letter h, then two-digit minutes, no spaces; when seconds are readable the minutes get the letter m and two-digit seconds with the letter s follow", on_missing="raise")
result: 3h11m32s
